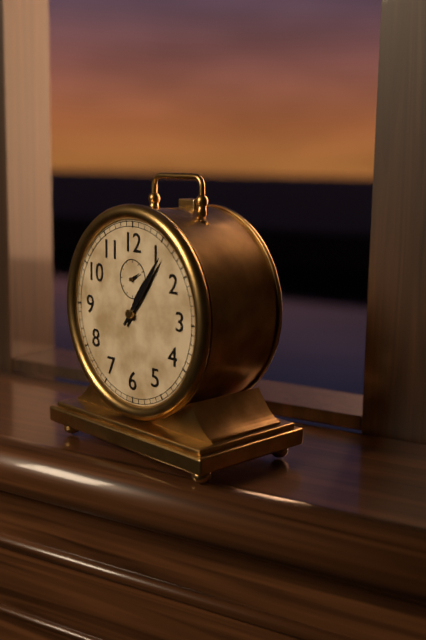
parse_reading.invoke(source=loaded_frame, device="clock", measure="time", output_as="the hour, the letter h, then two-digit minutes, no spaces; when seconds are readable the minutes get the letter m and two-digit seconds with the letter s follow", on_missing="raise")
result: 1h06
